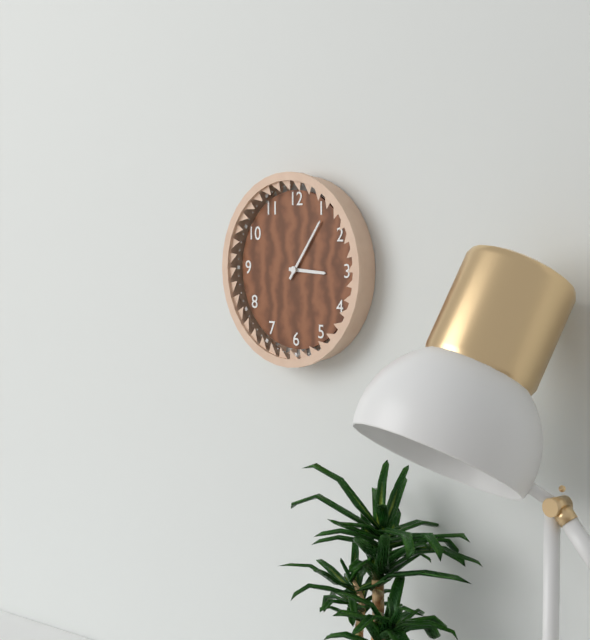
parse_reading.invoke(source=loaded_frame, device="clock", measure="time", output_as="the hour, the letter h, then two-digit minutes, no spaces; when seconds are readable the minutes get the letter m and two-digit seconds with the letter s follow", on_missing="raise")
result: 3h06
